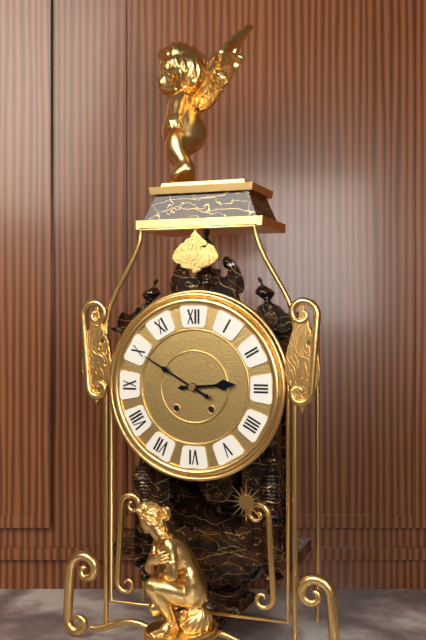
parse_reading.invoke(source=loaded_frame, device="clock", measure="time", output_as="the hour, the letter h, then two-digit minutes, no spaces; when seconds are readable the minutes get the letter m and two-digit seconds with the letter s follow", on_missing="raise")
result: 2h50
